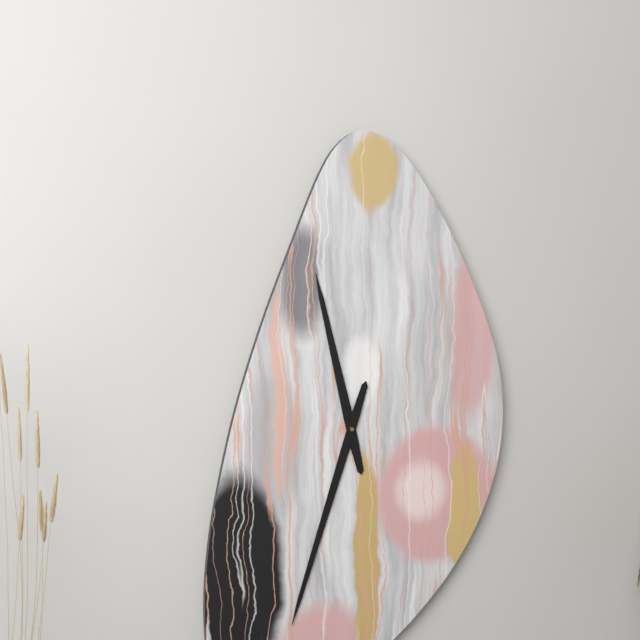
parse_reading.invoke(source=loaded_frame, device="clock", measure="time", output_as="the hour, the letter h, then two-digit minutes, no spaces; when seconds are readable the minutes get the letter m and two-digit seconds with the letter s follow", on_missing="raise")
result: 11h33
